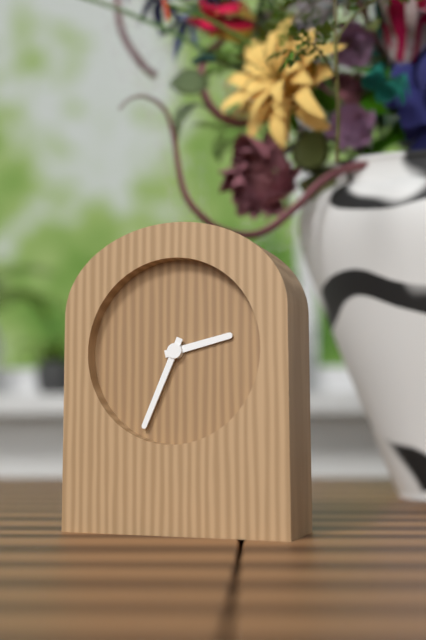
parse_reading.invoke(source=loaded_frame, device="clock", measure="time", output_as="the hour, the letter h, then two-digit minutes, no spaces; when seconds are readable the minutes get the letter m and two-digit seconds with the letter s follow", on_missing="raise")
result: 2h34
